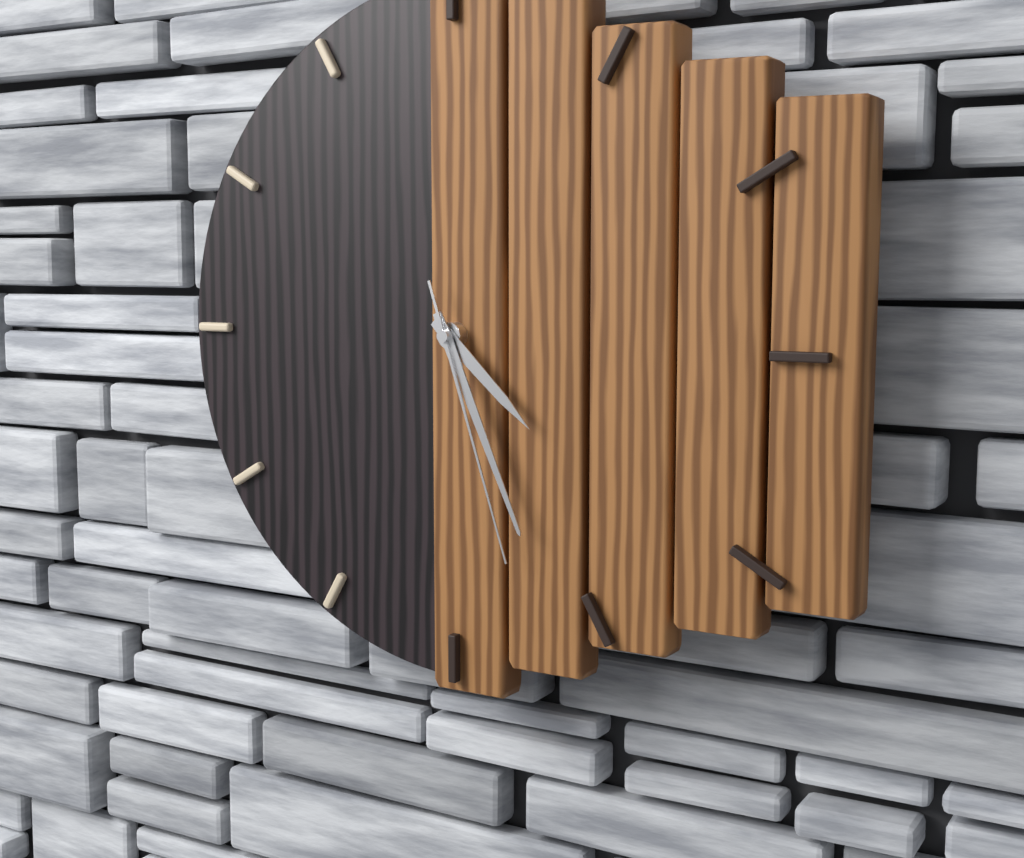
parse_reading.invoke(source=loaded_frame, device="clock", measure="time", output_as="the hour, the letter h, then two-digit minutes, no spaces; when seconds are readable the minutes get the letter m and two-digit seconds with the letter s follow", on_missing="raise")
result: 4h26m27s
